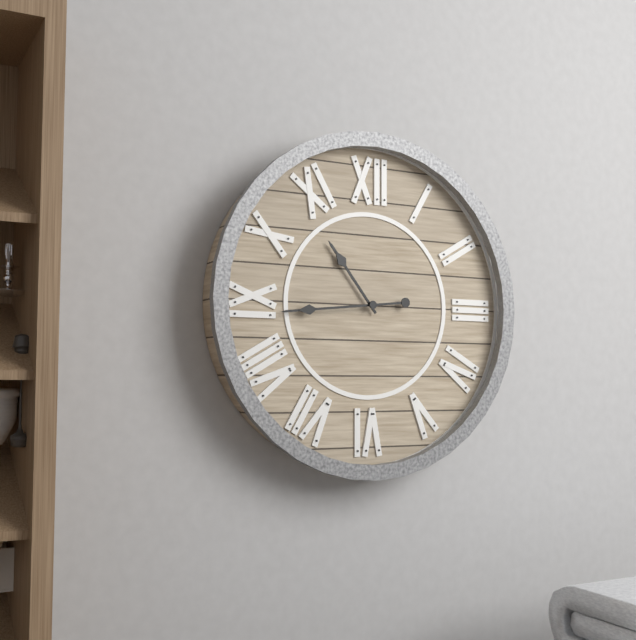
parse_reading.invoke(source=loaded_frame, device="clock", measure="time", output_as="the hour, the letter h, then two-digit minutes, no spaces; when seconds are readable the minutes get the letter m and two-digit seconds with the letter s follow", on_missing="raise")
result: 10h44
